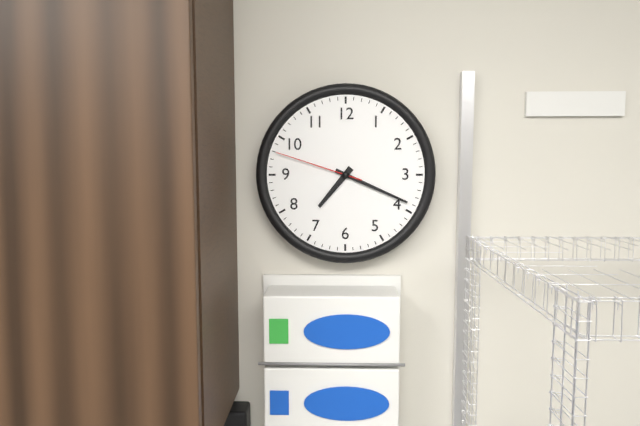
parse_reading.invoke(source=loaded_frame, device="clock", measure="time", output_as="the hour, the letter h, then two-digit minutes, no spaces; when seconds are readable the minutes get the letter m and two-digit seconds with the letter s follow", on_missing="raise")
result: 7h19m48s
